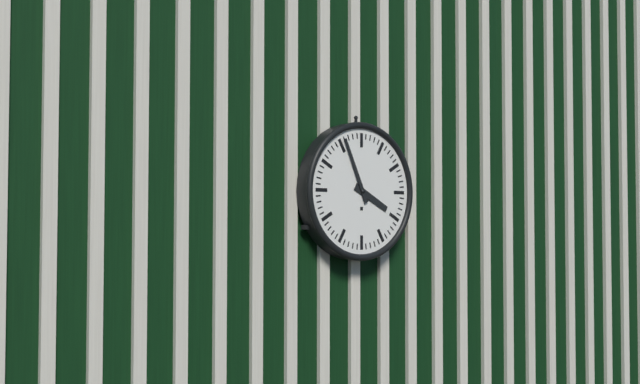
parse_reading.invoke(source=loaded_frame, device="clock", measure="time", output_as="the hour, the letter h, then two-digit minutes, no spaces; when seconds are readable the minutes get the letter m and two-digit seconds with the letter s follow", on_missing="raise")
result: 3h56
